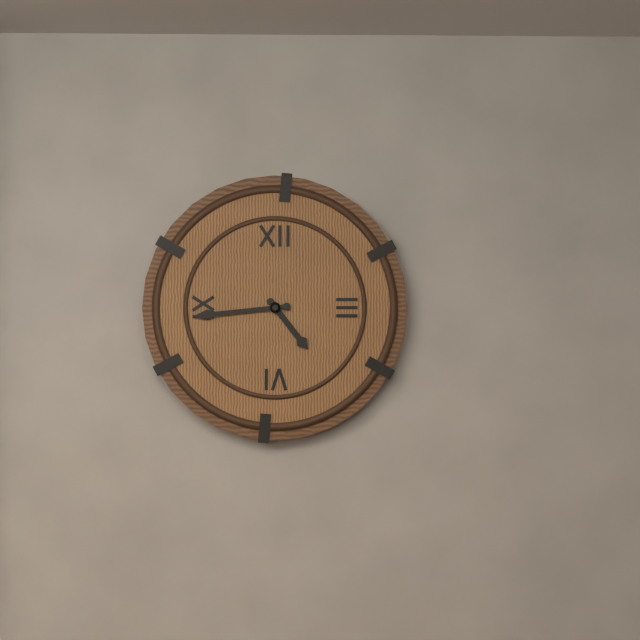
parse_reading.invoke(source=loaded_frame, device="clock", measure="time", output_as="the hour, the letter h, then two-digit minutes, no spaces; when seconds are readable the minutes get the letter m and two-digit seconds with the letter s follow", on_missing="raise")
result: 4h44
